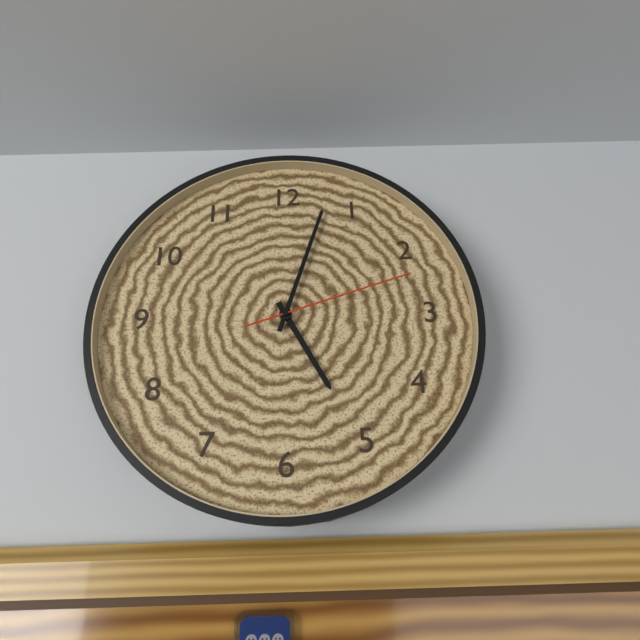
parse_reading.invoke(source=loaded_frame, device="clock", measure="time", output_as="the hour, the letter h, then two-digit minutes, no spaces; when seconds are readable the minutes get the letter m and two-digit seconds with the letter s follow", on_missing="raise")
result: 5h03m12s
